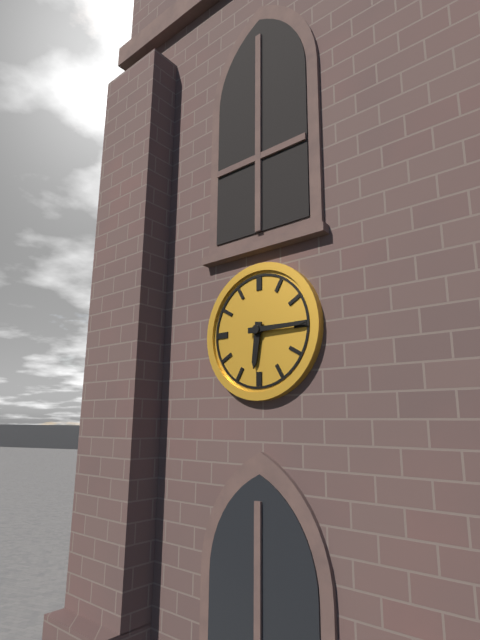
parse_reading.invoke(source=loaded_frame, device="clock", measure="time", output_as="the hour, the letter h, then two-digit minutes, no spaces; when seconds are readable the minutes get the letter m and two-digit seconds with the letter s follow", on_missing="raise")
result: 6h15
